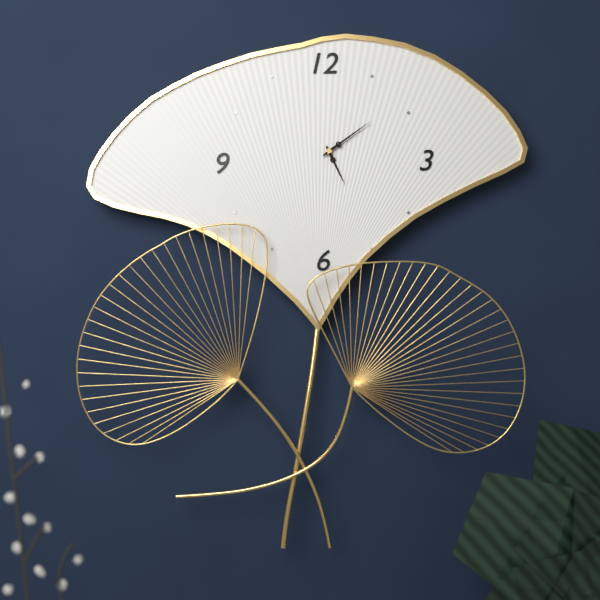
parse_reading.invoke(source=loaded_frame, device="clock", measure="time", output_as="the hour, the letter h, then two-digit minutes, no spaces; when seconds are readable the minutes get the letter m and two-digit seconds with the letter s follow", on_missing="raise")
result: 5h09
